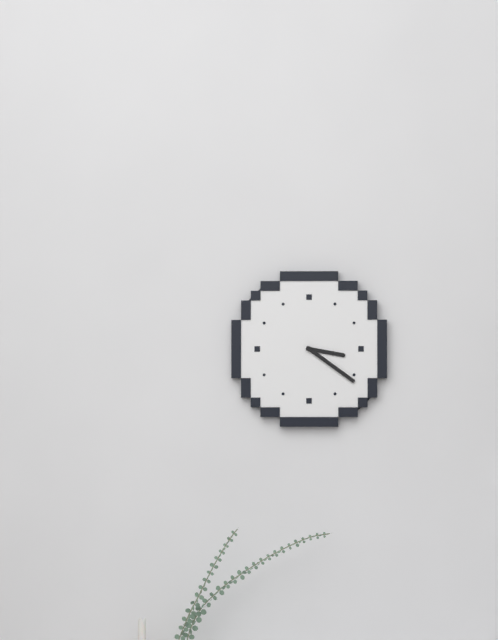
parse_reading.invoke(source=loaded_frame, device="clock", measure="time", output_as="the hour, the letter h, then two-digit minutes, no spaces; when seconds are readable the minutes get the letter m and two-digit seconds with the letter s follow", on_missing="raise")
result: 3h21
